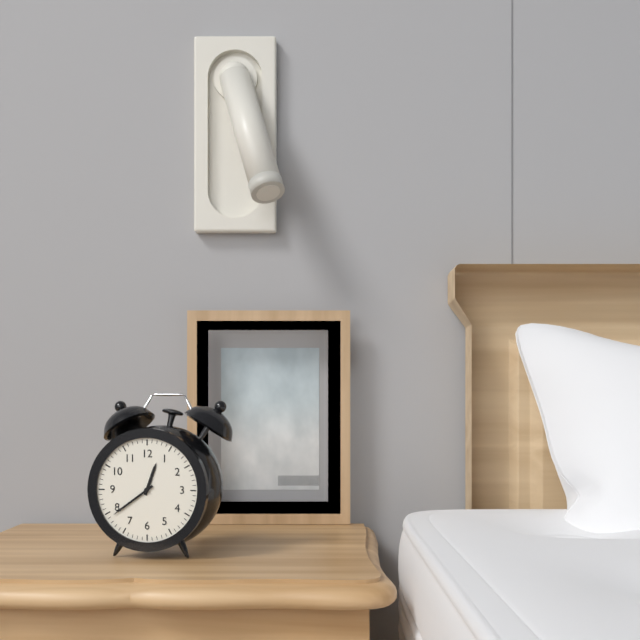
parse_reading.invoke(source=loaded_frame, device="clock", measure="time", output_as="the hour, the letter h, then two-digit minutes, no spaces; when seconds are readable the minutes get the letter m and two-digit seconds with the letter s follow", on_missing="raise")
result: 12h39
